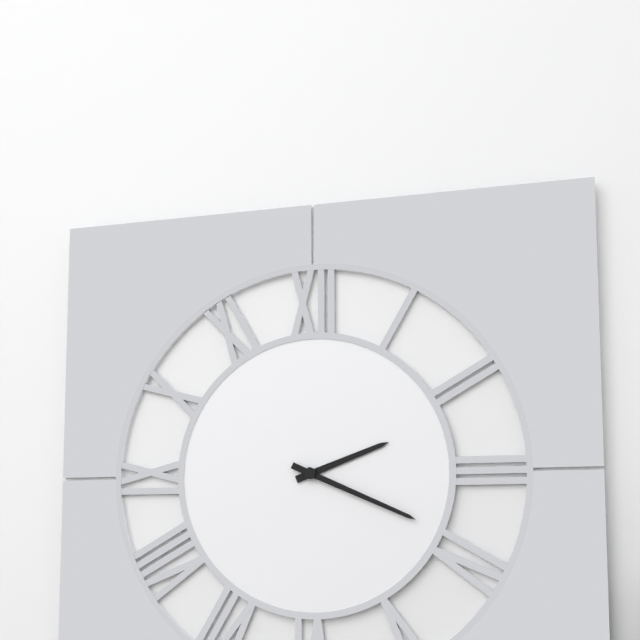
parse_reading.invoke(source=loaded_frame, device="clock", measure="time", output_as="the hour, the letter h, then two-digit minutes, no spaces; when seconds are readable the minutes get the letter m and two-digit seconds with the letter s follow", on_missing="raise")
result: 2h19
